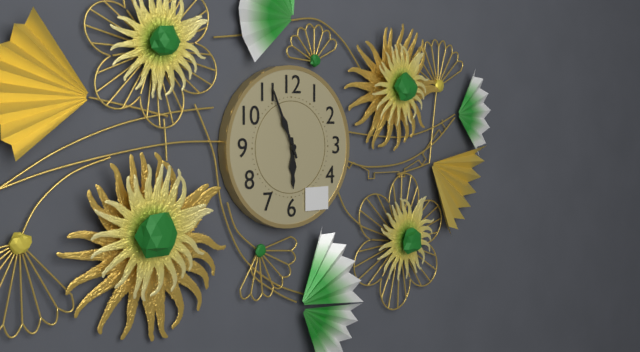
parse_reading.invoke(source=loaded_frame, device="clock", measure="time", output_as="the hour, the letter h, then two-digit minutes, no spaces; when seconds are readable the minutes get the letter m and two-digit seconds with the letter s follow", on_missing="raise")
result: 5h56
